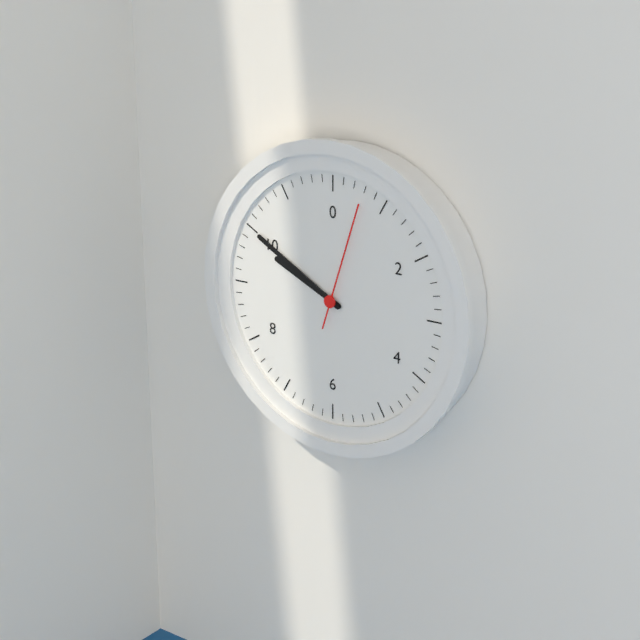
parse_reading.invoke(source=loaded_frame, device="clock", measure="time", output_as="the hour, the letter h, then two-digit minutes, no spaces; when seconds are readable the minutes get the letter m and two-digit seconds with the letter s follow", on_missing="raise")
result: 9h50m03s
